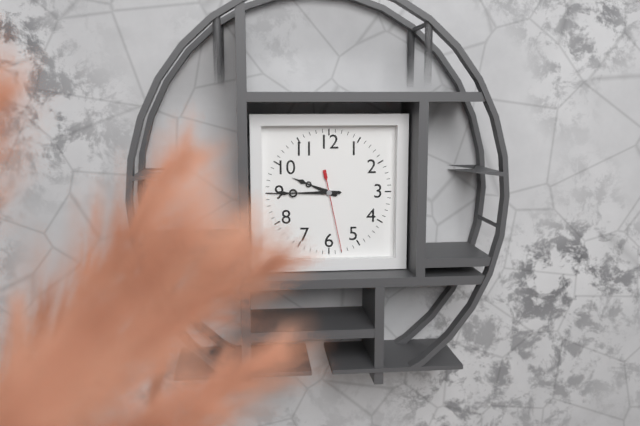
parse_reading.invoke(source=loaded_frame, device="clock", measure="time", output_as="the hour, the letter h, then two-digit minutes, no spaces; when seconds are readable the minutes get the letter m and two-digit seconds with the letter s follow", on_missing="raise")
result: 9h45m28s
